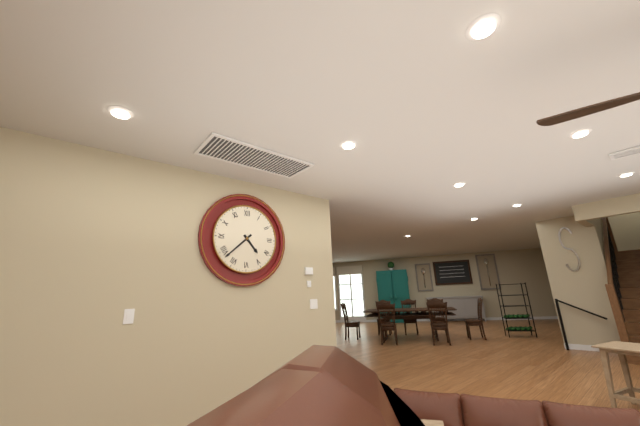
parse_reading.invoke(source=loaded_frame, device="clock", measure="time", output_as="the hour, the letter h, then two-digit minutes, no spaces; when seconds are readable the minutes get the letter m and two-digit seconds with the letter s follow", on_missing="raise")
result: 4h38
